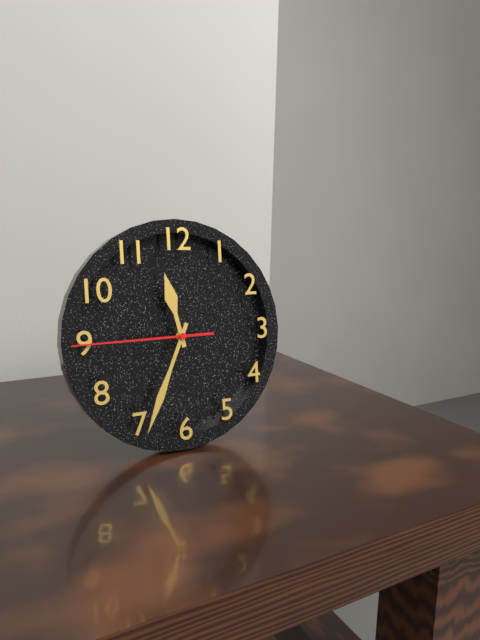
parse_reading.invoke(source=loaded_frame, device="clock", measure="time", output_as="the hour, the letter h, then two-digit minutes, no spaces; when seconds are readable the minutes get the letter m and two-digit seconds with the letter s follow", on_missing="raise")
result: 11h34m45s
